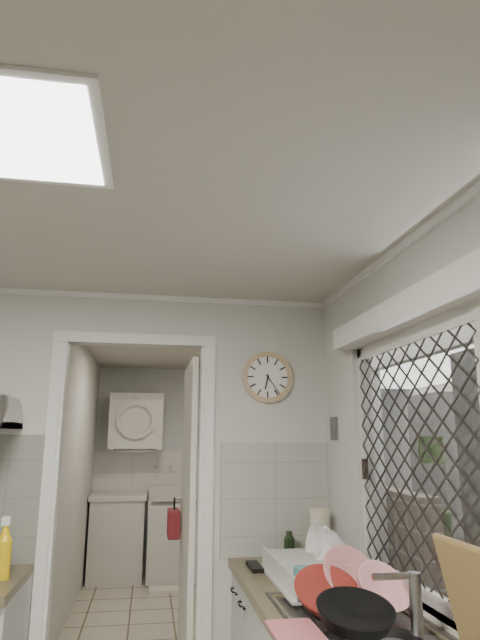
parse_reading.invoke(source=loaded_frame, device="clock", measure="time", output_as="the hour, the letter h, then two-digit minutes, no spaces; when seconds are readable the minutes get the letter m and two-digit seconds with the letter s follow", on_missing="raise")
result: 6h24
